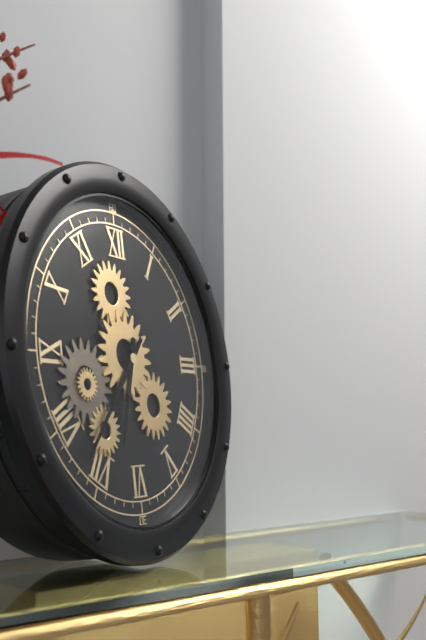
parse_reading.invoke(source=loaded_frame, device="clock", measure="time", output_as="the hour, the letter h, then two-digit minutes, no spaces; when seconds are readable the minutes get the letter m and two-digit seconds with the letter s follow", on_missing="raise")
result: 6h37
